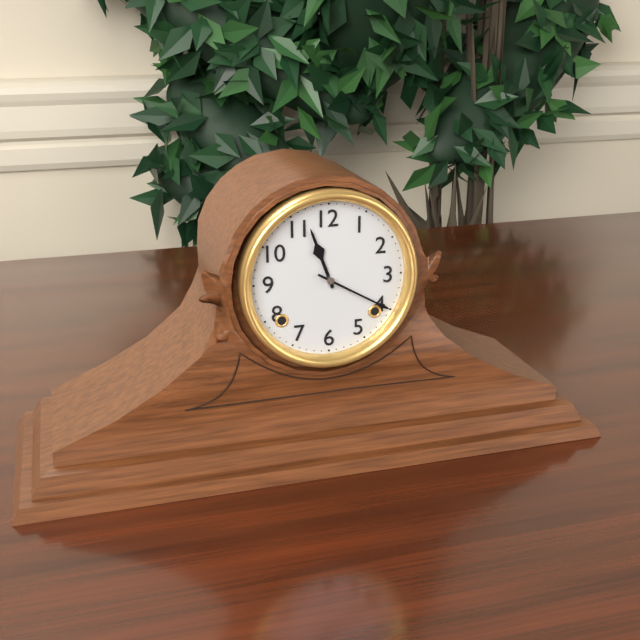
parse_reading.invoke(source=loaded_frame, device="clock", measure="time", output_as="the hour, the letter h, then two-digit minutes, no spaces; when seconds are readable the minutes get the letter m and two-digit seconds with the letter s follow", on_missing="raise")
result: 11h20
